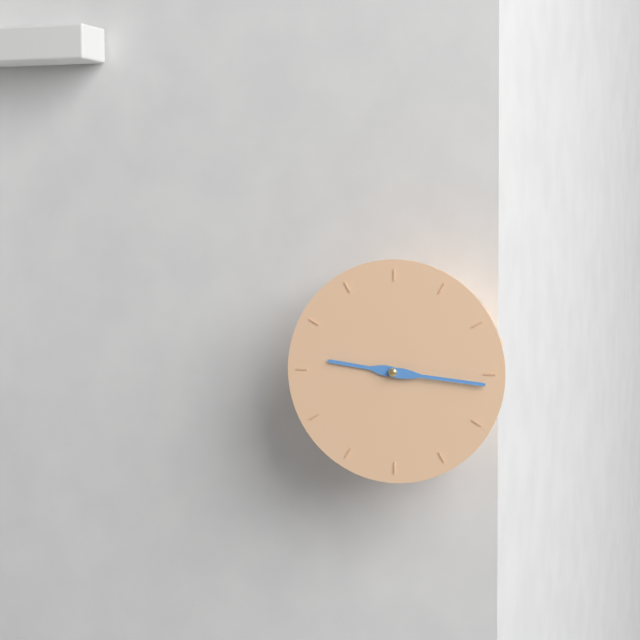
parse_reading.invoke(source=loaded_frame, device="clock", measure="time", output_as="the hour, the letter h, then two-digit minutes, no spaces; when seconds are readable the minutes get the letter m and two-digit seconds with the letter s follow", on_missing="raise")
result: 9h16
